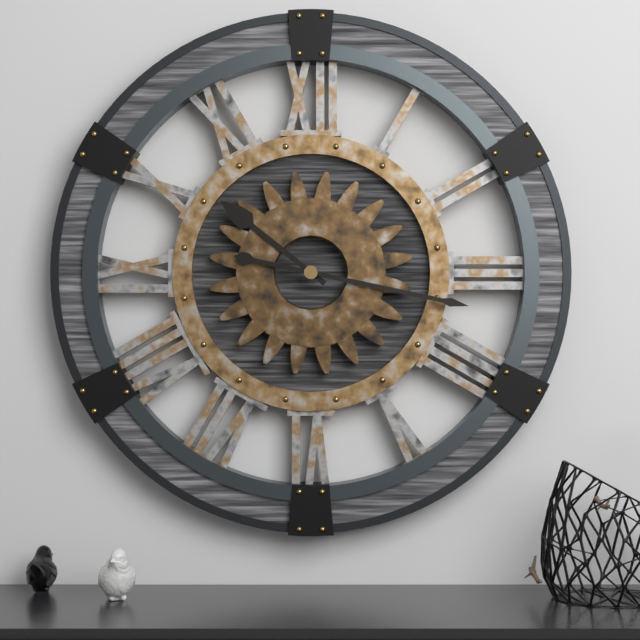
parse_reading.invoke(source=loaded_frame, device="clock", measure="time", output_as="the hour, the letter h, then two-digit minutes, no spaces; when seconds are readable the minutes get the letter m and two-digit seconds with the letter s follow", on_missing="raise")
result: 10h17
